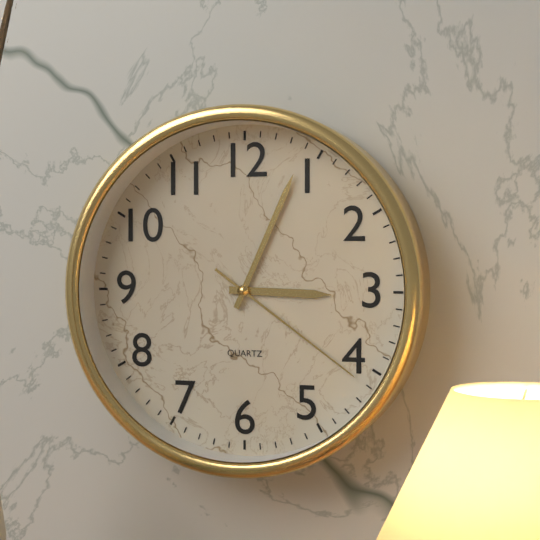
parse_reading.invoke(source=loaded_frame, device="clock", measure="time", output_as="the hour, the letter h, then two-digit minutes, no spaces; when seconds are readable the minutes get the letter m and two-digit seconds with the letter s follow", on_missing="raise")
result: 3h04m21s
